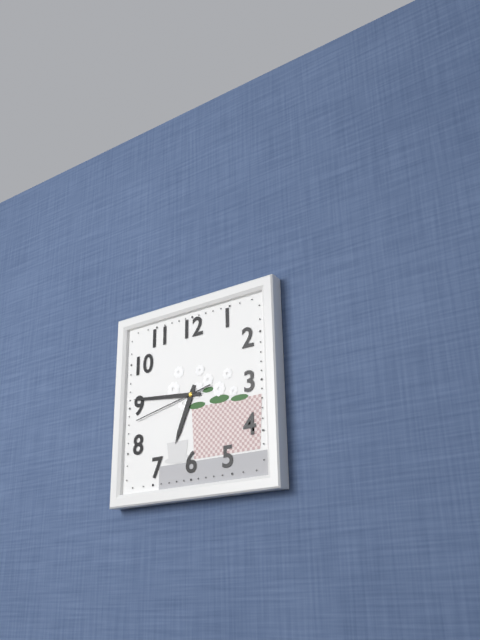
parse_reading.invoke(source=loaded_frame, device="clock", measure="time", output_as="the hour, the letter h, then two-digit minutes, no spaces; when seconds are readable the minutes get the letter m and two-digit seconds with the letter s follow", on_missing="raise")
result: 6h46m43s
